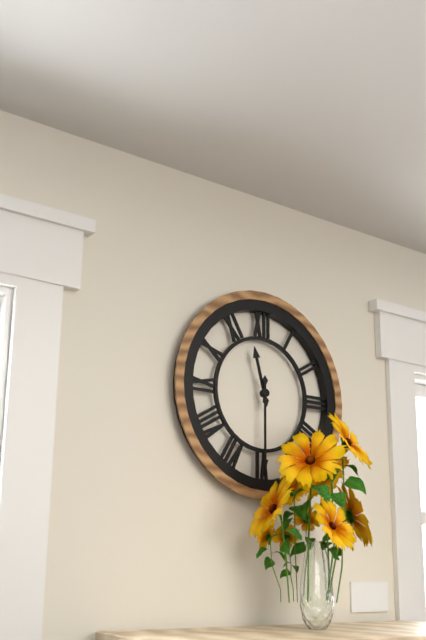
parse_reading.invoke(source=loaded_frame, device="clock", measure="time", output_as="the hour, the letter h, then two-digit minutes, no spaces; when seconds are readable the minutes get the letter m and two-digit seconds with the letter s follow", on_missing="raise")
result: 11h30
